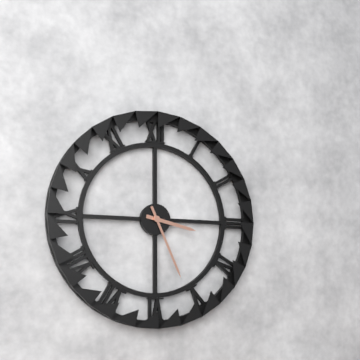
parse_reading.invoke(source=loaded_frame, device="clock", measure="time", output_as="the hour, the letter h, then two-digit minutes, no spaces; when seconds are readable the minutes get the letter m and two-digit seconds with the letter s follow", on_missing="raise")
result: 3h26
